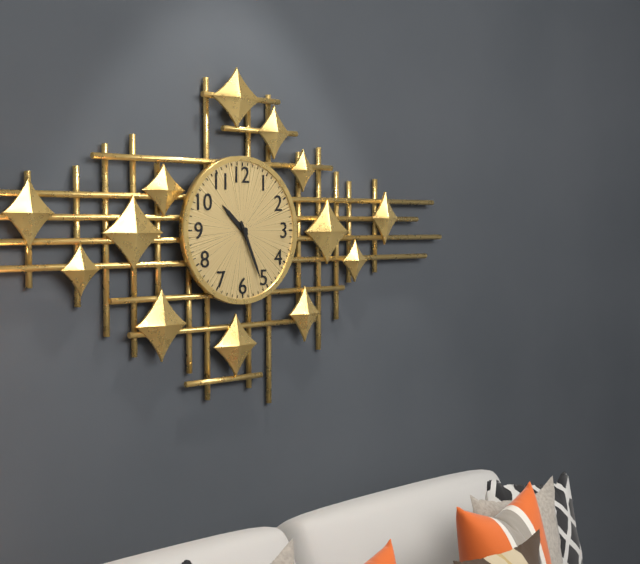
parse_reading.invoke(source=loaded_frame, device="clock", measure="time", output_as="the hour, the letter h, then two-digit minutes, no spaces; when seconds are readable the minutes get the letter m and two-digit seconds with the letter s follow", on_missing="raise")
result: 10h26
